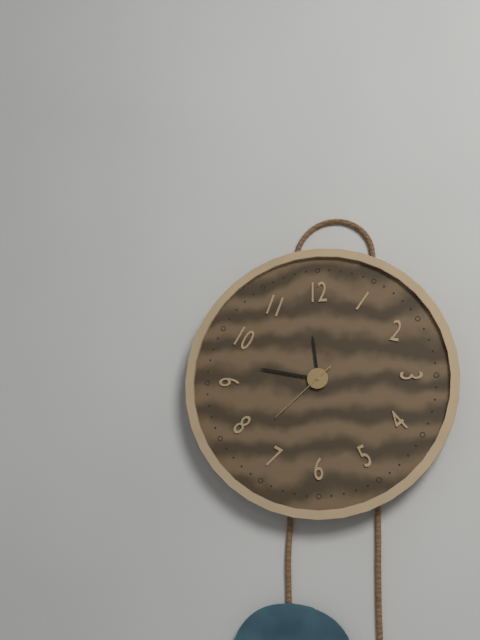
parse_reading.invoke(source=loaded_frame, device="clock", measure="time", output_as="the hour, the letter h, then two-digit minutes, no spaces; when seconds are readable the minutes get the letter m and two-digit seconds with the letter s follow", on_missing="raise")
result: 11h47m38s
